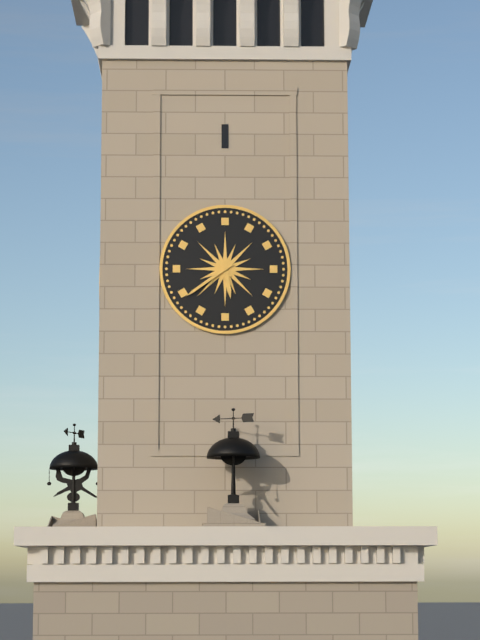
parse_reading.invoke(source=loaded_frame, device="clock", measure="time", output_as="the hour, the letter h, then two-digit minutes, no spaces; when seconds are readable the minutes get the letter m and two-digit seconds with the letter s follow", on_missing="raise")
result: 5h39
